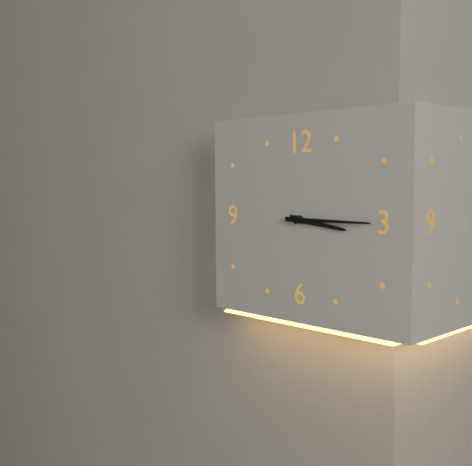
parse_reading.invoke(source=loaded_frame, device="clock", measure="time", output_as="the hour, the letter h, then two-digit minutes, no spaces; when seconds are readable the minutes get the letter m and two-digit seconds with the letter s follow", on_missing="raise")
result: 3h15
